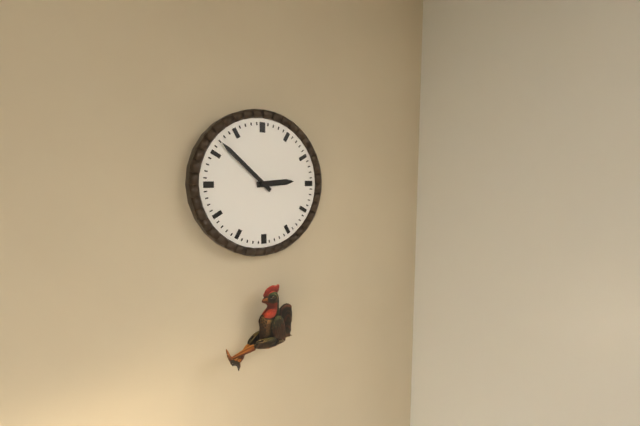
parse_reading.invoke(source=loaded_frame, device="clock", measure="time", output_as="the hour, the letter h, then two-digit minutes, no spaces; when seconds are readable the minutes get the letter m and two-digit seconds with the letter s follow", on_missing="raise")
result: 2h52
